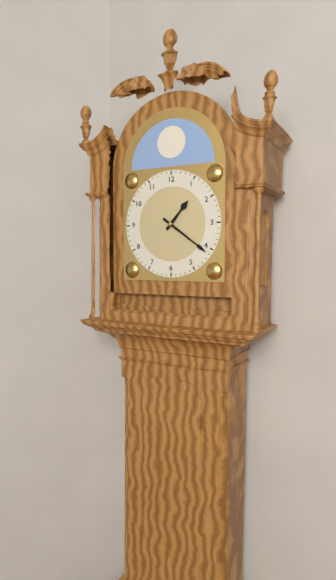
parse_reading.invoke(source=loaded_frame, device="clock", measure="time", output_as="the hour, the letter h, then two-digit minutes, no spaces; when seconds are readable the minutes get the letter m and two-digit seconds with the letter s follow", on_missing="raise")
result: 1h21
